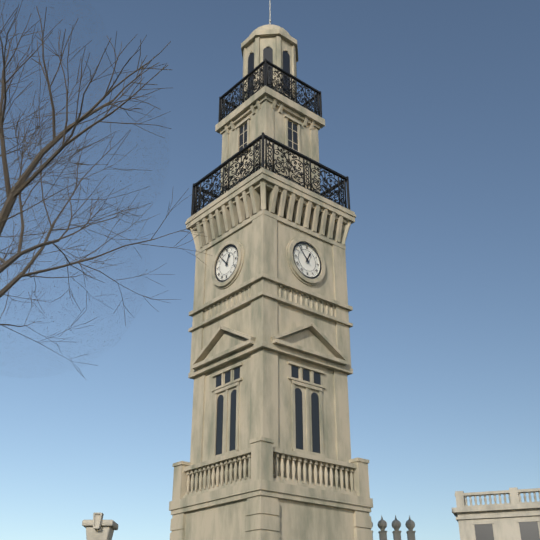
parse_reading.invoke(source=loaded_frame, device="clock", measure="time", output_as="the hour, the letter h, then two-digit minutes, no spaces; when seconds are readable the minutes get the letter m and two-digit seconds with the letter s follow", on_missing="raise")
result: 12h53
